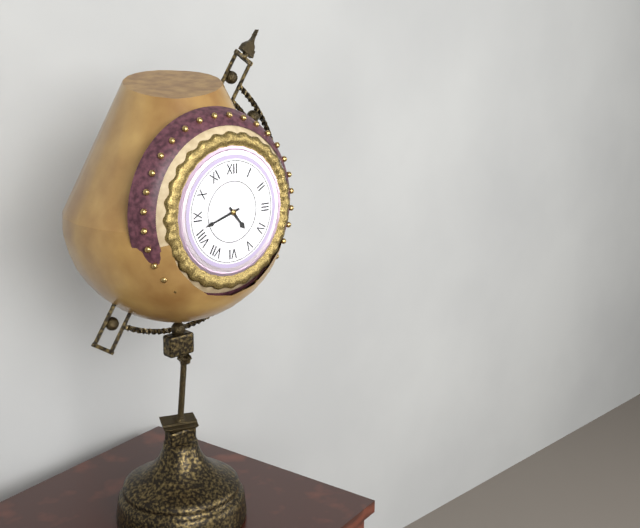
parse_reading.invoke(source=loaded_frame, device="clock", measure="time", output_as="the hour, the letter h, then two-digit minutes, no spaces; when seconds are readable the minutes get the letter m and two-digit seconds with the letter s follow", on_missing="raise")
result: 4h42
